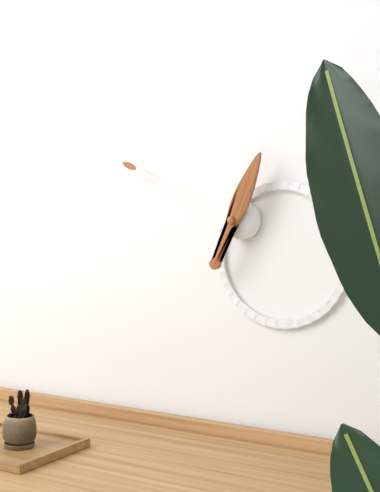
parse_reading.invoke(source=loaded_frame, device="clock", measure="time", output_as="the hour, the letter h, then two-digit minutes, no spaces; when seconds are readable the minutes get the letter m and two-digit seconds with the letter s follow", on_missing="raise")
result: 12h49
